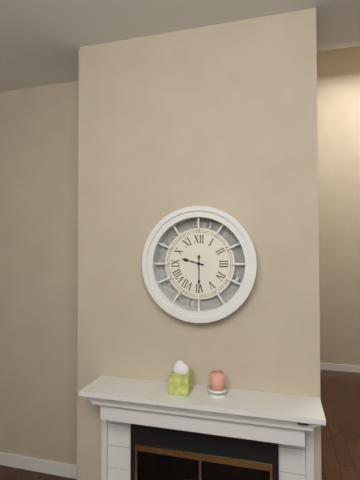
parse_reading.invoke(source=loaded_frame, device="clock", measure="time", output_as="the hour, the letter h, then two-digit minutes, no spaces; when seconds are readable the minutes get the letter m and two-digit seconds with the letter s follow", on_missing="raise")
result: 9h30
